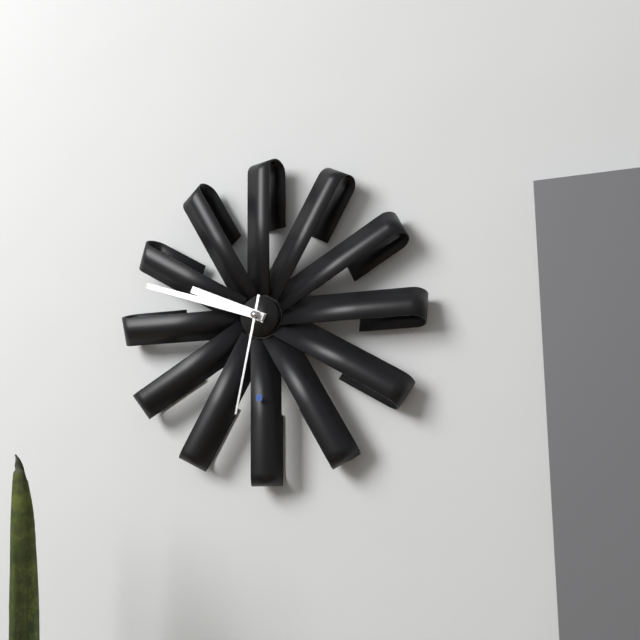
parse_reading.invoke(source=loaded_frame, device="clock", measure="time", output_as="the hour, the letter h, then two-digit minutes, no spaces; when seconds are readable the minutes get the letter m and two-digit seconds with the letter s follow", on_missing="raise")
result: 9h48m32s
